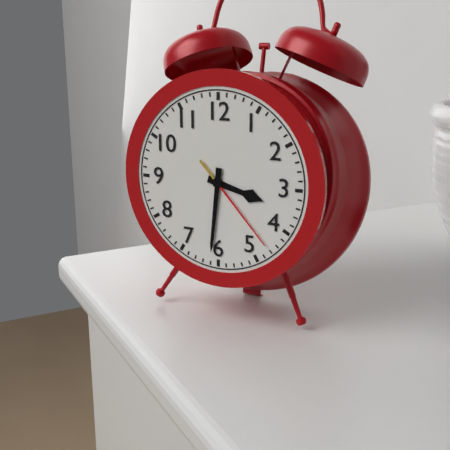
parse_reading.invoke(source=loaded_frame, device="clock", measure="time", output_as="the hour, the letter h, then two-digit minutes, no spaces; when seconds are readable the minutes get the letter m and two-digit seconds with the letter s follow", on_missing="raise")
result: 3h31m23s
